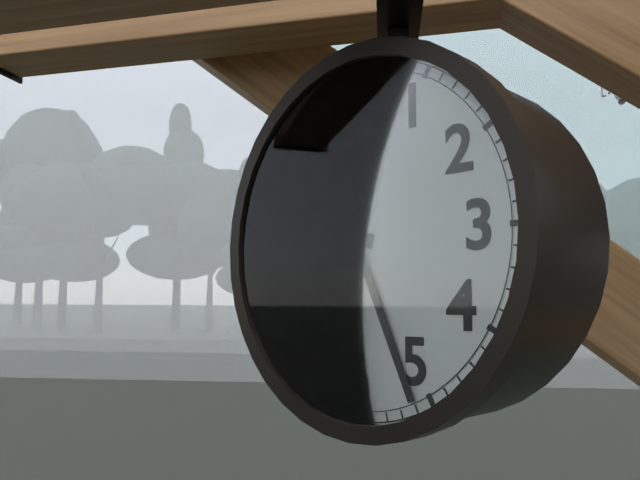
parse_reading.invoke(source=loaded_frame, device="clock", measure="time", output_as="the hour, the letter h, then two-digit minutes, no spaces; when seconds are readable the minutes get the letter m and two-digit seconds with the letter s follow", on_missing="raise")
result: 9h26
